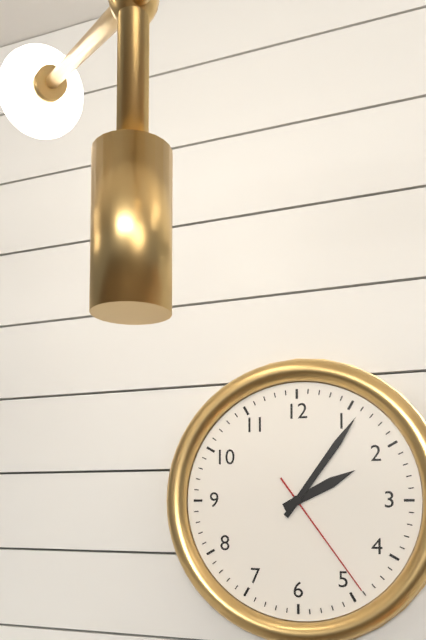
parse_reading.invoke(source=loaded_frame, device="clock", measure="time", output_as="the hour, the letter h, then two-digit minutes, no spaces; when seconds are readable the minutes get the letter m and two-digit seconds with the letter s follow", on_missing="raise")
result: 2h06m24s
